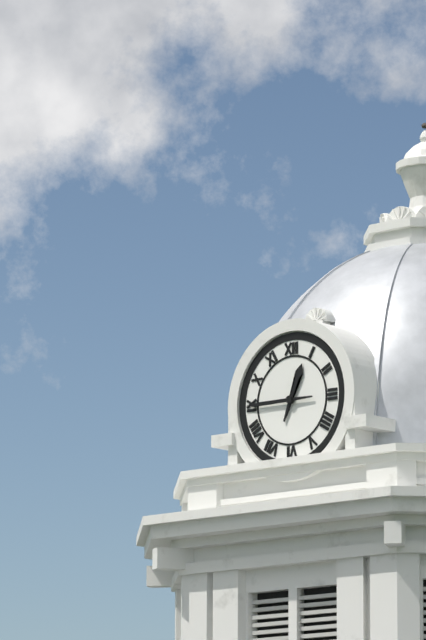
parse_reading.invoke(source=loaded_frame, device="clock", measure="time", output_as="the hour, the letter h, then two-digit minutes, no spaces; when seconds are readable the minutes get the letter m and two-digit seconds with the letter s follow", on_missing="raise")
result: 12h45
